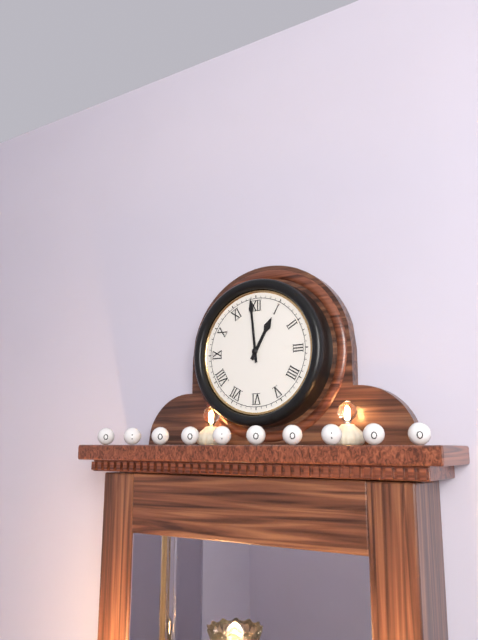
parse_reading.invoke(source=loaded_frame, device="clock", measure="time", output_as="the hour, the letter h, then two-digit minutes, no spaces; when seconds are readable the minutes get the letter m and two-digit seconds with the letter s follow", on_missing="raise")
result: 12h59
